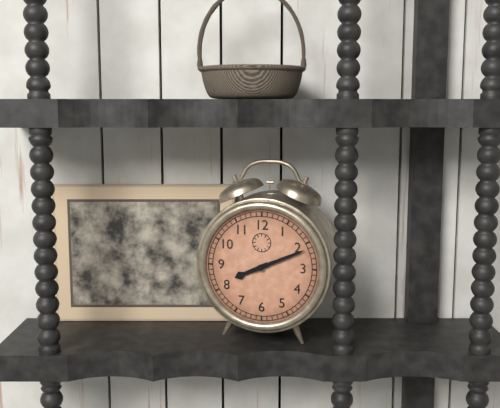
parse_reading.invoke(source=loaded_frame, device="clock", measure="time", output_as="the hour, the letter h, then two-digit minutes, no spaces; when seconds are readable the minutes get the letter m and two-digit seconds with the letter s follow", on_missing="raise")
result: 8h11
